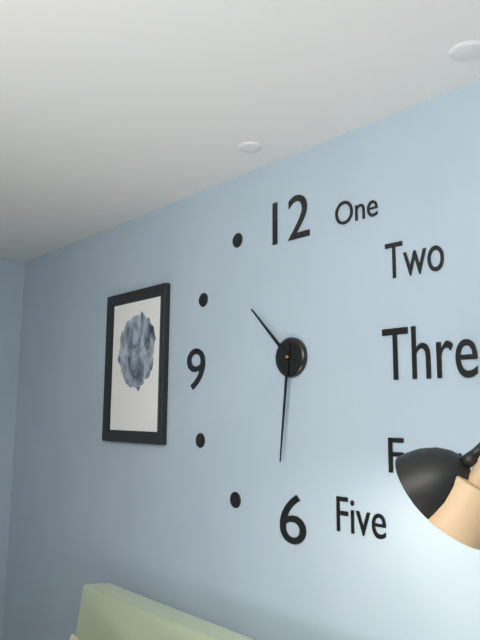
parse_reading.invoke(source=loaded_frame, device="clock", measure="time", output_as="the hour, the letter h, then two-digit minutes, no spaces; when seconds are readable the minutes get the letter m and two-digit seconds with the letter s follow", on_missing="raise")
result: 10h31
